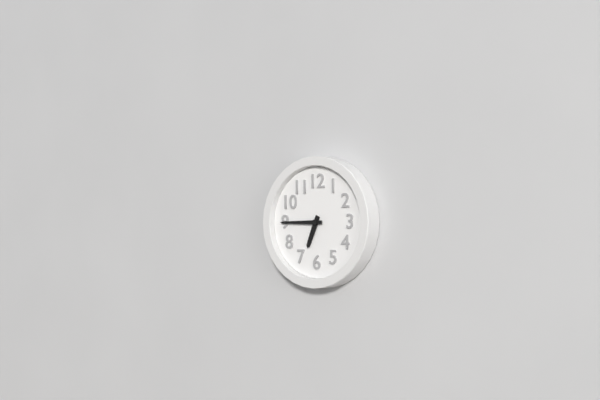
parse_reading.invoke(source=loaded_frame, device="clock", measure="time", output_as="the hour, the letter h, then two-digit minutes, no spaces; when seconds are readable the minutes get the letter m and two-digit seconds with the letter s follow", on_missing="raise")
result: 6h45
